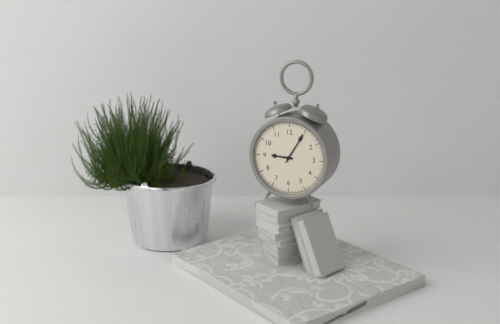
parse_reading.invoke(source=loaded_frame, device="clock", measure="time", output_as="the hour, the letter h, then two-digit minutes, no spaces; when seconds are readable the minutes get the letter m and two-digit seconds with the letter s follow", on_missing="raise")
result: 9h05
